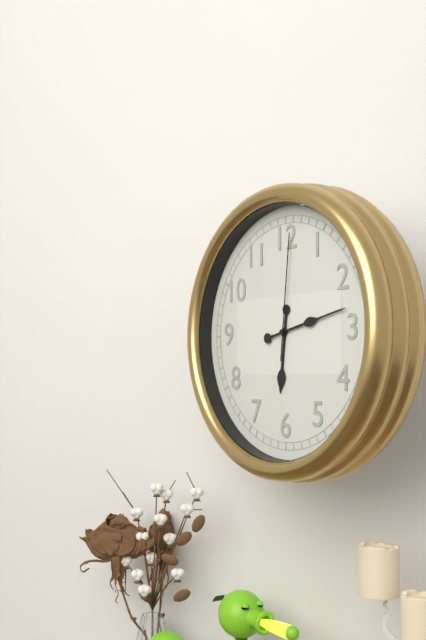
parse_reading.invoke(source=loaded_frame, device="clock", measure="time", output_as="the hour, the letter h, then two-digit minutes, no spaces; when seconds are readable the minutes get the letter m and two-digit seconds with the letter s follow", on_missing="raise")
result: 6h13m01s
